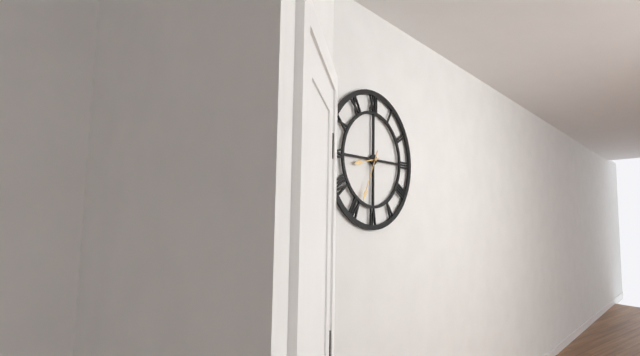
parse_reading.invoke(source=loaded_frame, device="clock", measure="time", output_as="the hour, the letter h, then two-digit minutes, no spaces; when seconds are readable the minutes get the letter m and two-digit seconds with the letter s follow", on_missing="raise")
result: 8h34
